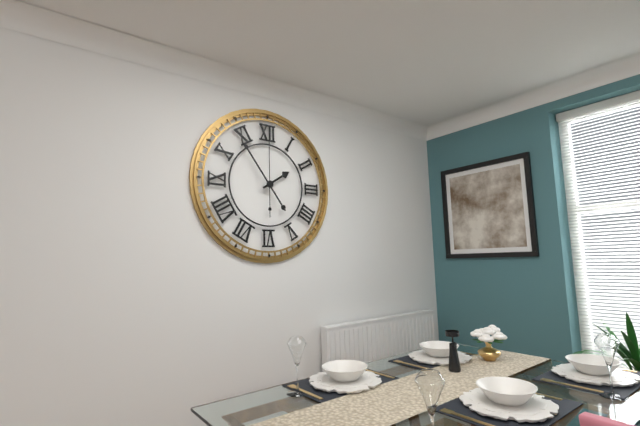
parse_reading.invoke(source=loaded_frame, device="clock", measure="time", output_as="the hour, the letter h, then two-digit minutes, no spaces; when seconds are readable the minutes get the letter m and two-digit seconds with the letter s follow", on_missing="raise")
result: 1h54m00s
